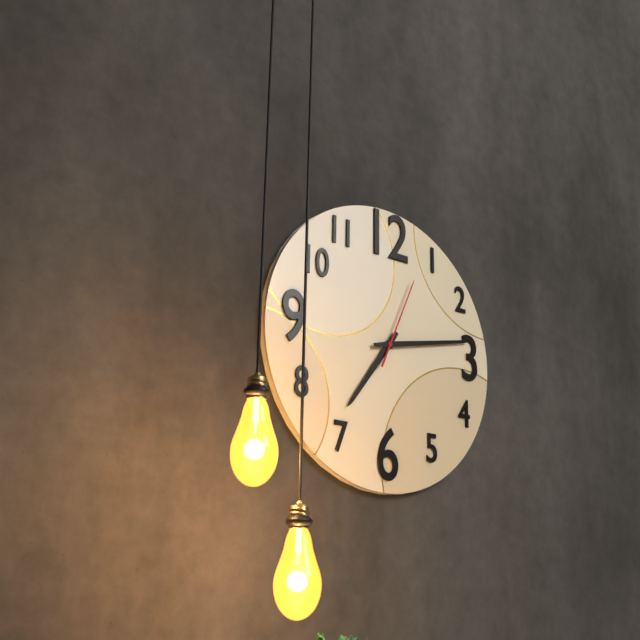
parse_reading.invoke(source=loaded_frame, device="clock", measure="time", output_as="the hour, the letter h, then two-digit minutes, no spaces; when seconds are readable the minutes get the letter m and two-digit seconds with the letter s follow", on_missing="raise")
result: 7h13m04s
